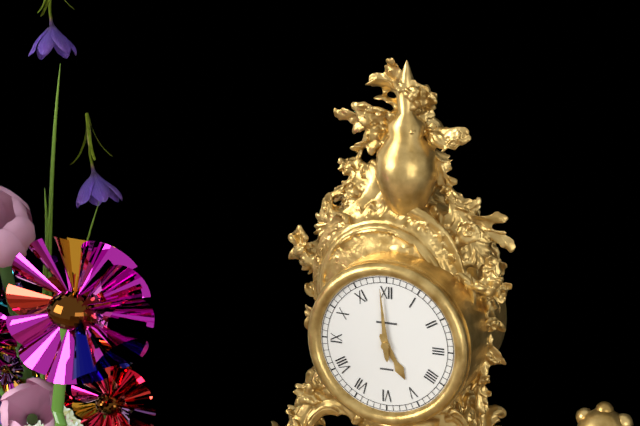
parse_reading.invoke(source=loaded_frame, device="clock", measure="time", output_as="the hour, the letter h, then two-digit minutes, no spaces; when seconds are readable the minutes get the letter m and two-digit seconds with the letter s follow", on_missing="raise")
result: 4h59
